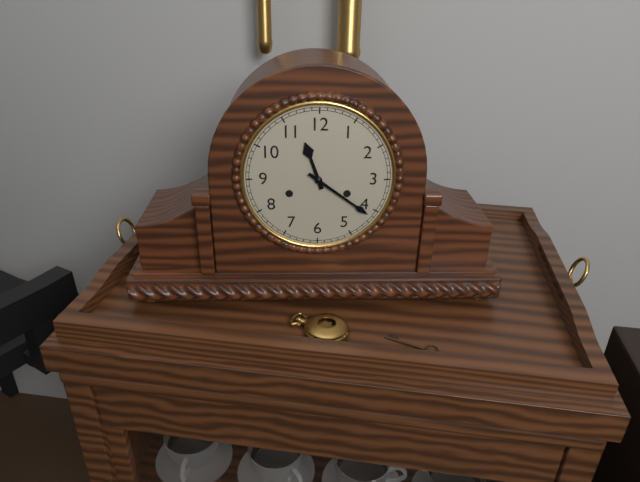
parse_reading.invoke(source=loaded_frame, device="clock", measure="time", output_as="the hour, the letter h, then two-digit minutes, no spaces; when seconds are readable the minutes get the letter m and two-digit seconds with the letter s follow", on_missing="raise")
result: 11h21
